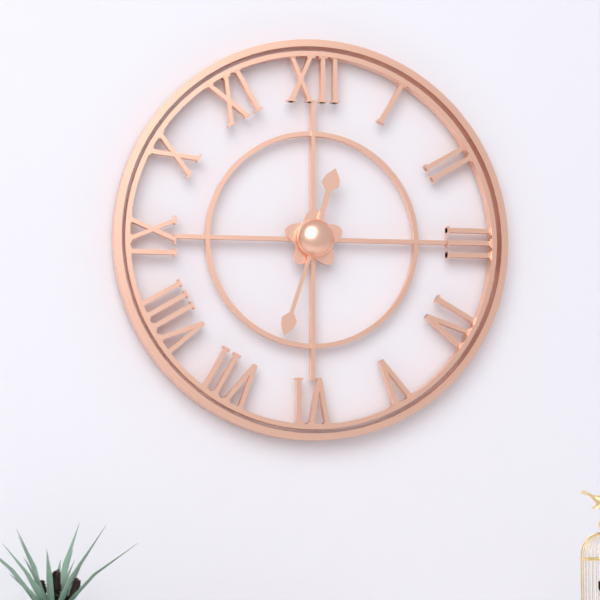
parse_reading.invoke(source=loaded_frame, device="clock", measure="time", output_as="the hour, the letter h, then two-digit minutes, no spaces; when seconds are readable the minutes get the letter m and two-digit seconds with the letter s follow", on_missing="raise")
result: 12h33
